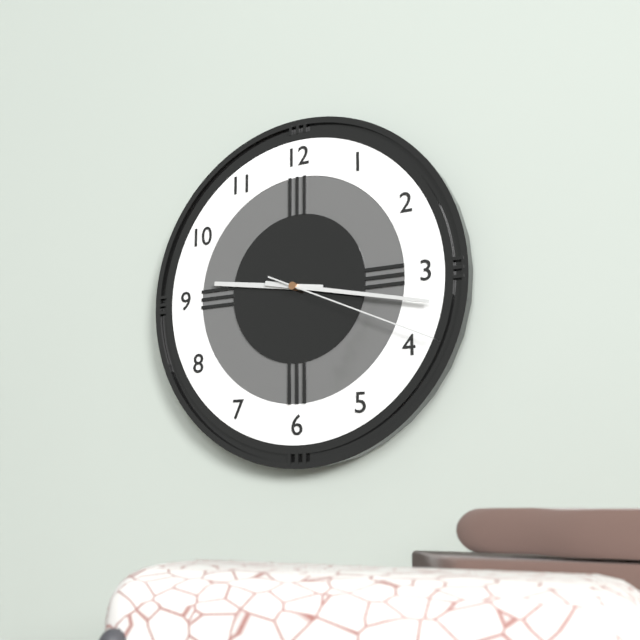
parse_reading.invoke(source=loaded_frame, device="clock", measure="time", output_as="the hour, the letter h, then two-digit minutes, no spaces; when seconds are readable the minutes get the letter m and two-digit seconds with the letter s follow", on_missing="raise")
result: 9h17m19s
